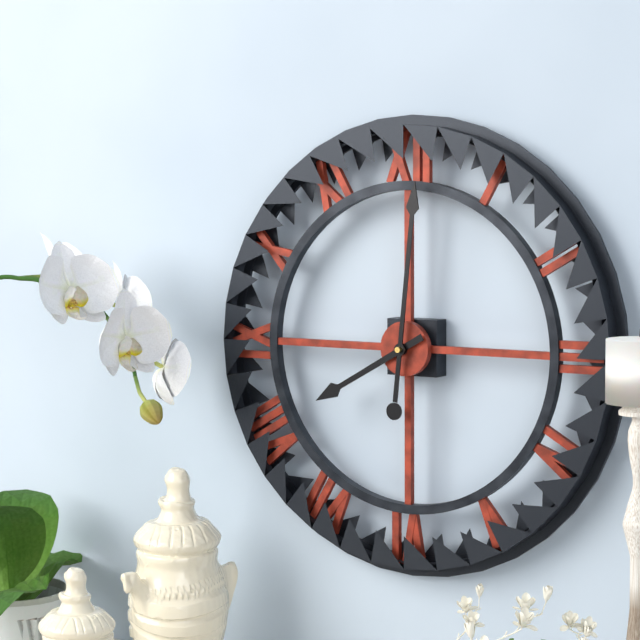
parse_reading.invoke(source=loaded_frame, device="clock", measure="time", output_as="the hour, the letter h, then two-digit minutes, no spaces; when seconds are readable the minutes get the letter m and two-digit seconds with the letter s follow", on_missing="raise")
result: 8h01
